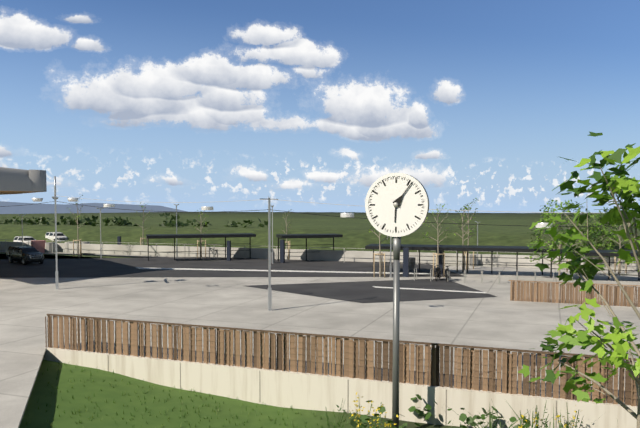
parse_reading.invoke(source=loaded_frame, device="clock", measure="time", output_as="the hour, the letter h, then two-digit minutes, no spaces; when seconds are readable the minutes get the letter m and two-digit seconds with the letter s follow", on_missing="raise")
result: 6h06
